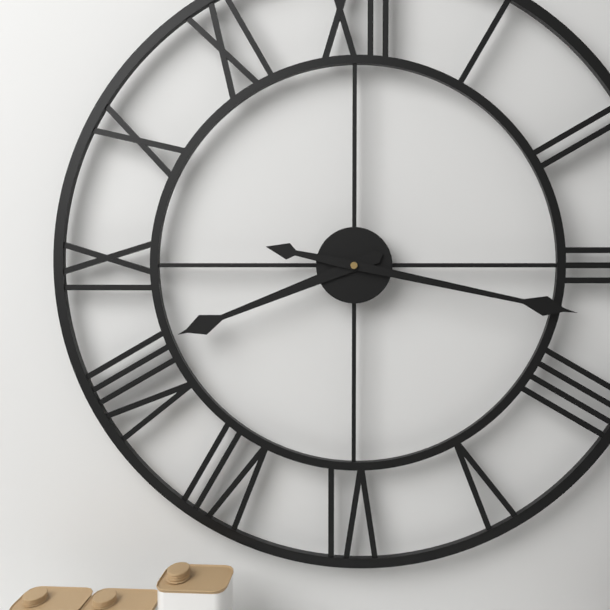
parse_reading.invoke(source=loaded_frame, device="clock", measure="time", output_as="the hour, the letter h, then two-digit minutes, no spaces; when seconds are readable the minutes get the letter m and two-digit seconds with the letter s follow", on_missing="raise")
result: 8h17
